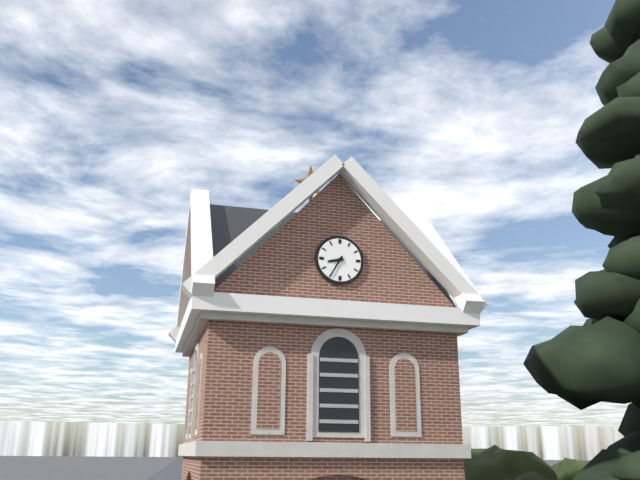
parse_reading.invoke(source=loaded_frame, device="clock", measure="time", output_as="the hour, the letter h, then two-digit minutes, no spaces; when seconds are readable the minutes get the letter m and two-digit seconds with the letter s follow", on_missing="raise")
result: 8h35
